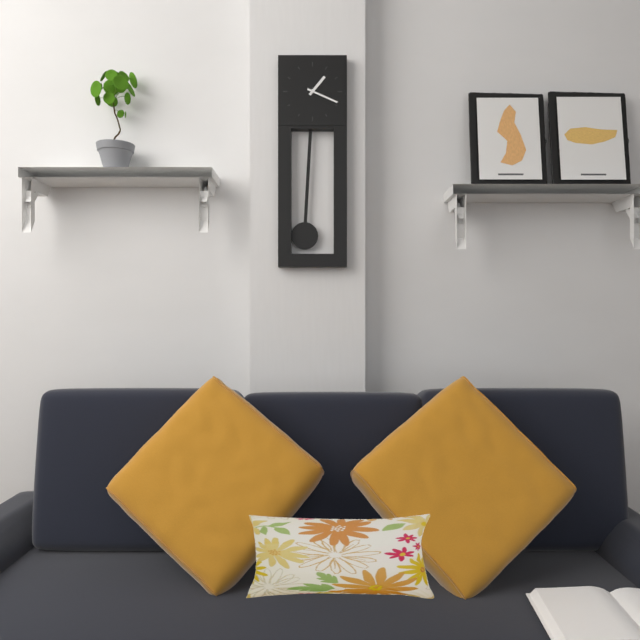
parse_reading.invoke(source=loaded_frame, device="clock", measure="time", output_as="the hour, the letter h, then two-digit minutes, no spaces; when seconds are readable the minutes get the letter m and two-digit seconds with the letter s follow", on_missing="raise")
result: 1h19
